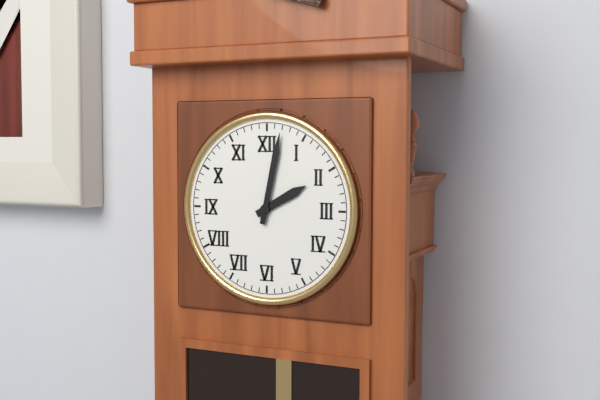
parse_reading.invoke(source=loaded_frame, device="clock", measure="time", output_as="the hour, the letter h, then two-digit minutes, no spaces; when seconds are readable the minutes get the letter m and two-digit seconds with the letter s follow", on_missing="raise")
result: 2h02
